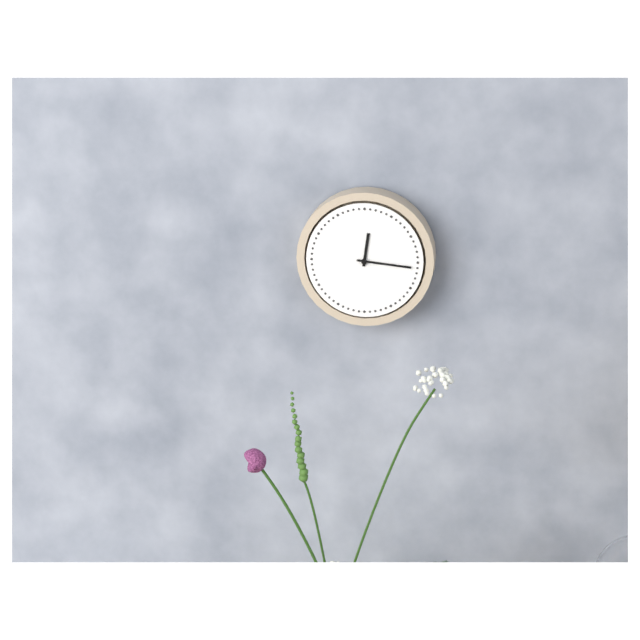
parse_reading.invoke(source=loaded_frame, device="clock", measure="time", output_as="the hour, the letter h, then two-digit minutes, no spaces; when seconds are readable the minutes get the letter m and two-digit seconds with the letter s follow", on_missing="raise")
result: 12h16
